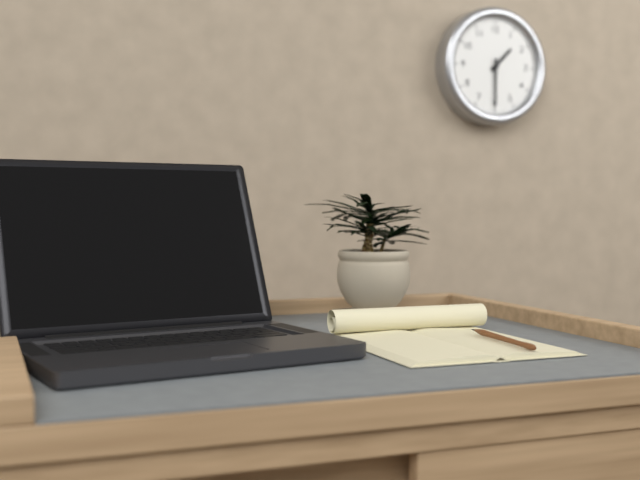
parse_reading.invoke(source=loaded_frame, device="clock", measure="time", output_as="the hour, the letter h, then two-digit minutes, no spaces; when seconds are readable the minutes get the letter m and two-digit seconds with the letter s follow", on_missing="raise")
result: 1h30
